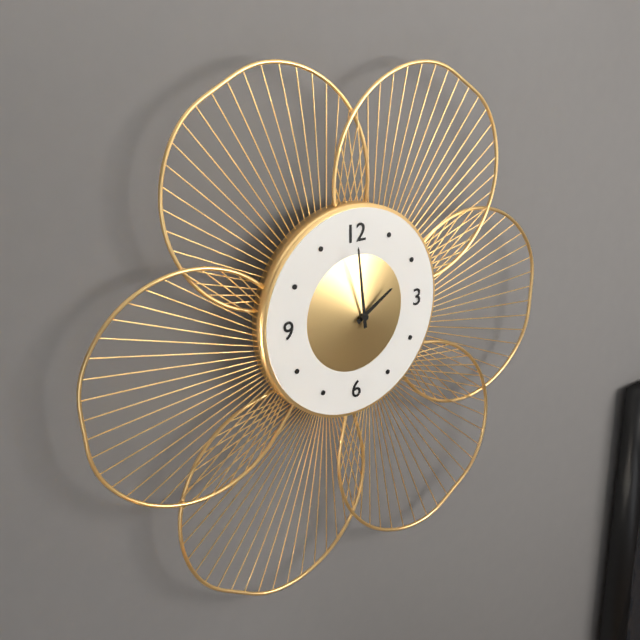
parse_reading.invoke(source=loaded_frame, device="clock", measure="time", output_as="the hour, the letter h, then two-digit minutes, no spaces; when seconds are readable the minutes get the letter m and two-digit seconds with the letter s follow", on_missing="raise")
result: 1h59
